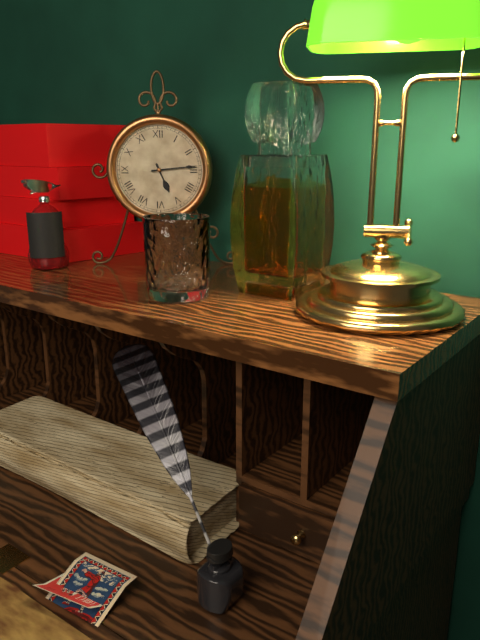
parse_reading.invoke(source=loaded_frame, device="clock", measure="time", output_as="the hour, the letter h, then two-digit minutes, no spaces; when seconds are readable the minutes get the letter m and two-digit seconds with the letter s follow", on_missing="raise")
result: 5h14
